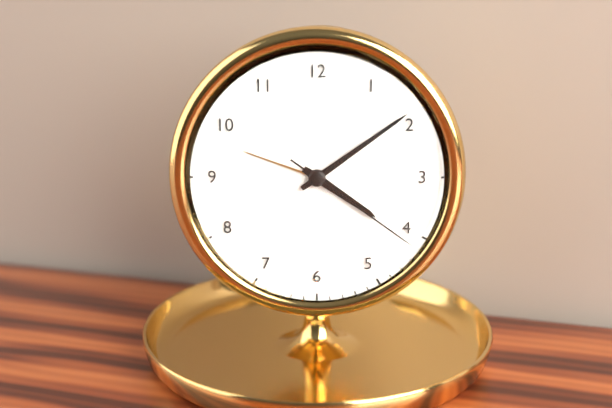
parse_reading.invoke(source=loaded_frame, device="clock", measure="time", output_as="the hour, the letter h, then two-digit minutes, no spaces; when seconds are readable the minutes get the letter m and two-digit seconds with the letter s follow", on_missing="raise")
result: 4h09m21s
